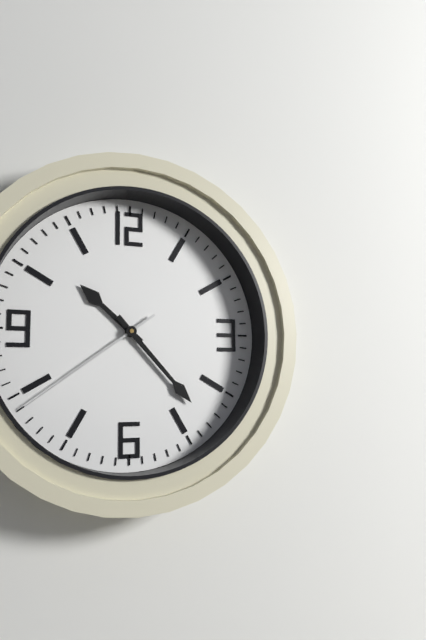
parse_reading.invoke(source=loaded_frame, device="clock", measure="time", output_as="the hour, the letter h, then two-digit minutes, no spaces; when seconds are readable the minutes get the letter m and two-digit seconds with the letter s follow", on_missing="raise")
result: 10h23m39s
